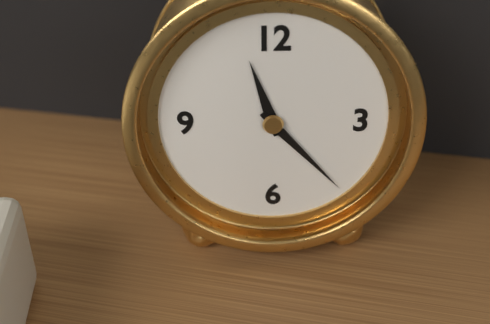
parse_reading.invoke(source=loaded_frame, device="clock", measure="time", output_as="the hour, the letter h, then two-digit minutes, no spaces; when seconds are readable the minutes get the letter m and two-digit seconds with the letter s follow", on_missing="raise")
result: 11h23
